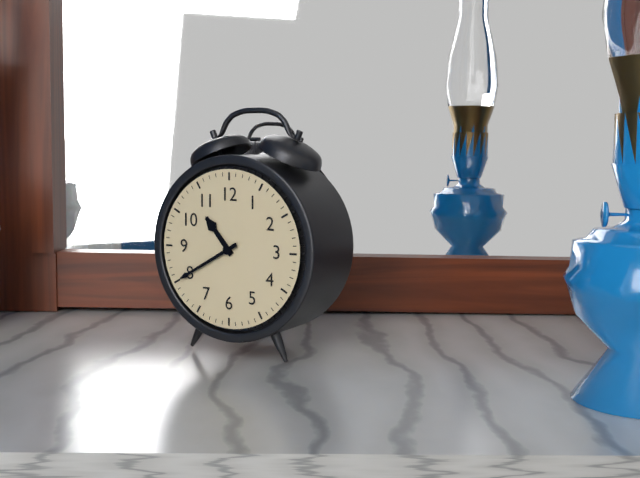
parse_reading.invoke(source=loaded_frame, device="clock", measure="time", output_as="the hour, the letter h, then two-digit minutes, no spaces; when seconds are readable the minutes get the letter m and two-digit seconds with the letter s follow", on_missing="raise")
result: 10h40
